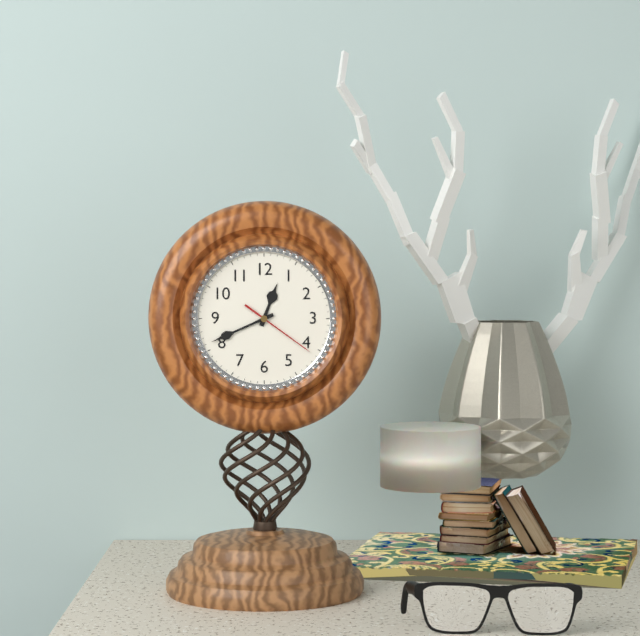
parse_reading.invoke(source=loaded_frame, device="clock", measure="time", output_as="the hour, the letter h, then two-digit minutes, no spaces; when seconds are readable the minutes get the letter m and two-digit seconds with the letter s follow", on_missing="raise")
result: 12h41m21s
